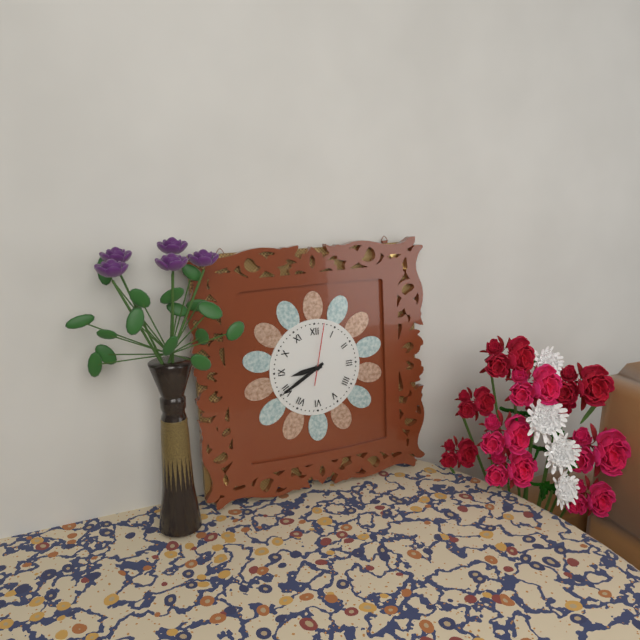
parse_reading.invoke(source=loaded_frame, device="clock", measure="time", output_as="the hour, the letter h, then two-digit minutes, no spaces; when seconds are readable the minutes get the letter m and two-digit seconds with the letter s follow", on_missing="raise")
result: 8h40m02s
